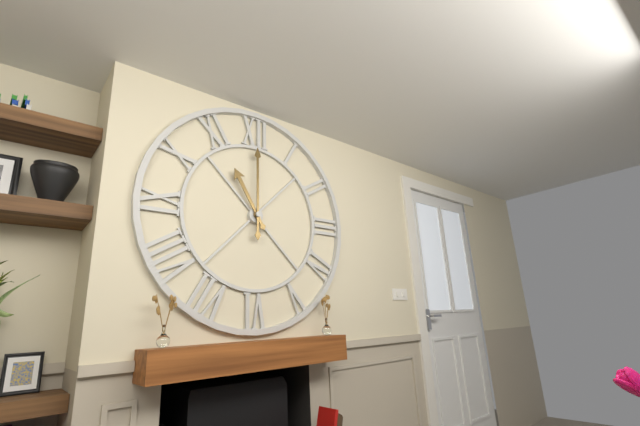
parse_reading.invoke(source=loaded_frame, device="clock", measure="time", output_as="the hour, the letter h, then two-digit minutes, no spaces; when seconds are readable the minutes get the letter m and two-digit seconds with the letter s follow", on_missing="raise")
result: 11h00
